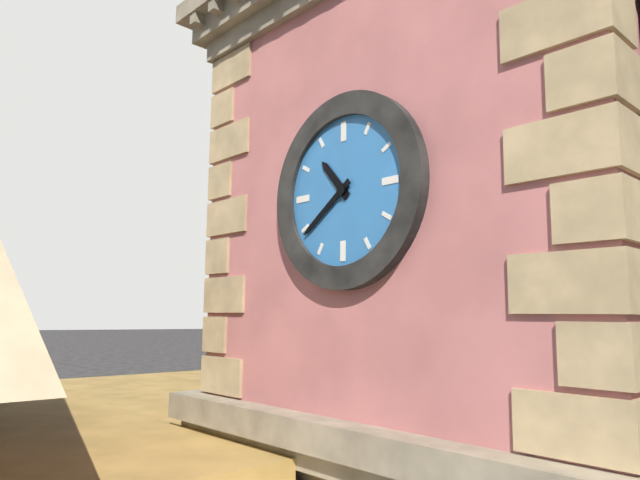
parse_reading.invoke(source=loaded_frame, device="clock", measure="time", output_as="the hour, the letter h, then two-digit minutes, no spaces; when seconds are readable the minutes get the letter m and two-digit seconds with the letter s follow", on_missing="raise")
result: 10h39
